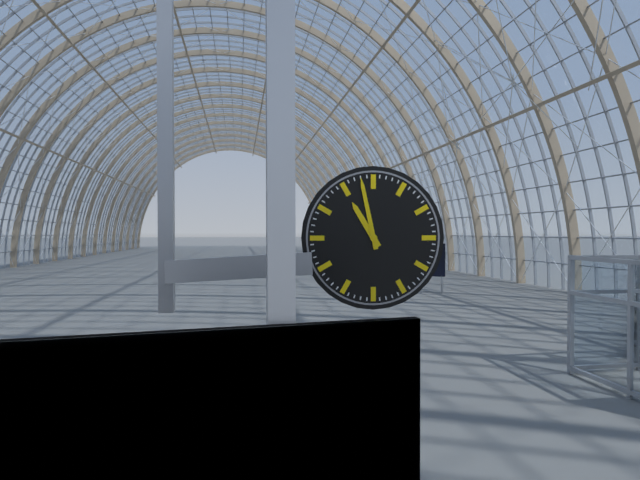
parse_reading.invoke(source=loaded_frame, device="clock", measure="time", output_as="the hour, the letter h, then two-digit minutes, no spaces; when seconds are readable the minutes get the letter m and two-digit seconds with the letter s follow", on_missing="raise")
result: 10h58
